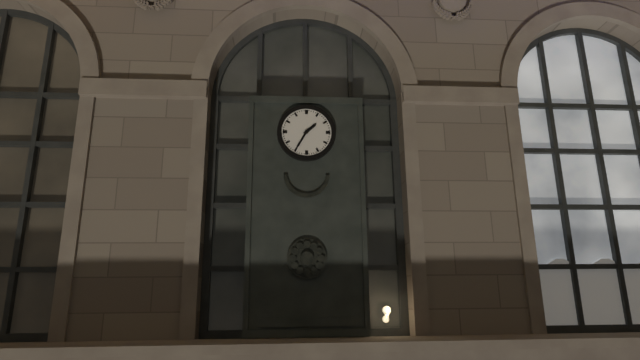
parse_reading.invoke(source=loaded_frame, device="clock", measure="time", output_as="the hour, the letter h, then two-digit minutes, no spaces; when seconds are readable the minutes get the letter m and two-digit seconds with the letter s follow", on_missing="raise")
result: 1h35
